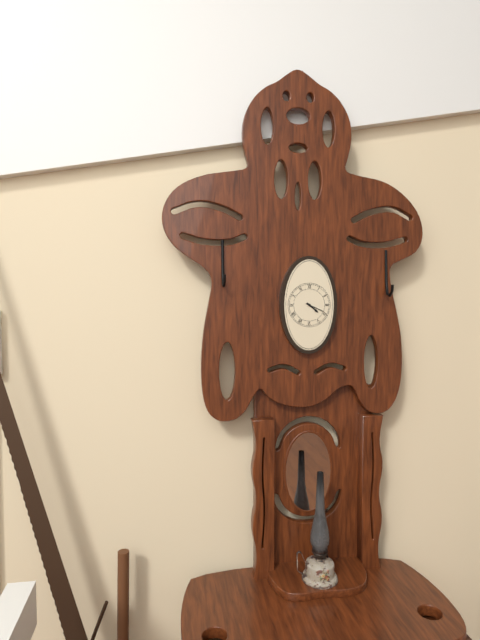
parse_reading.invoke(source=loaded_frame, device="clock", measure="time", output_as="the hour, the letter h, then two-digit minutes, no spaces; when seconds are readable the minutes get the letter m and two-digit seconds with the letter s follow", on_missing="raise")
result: 4h19
